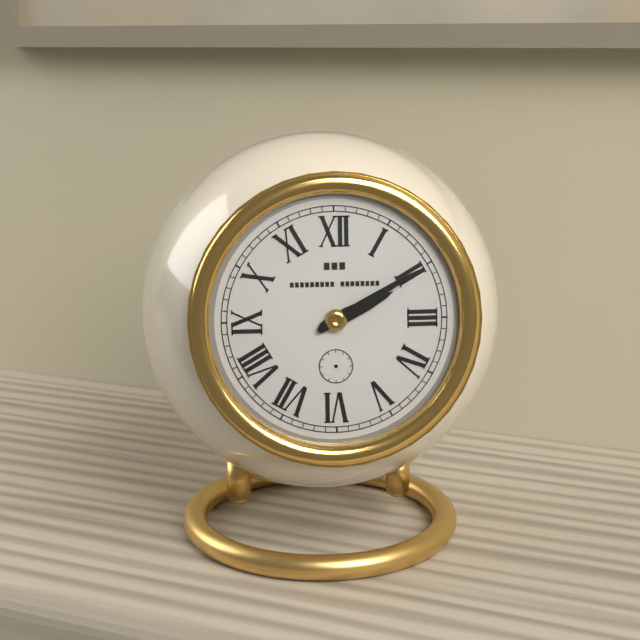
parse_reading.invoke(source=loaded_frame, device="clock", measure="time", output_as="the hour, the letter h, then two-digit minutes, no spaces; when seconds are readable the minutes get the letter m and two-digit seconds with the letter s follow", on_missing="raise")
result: 2h10
